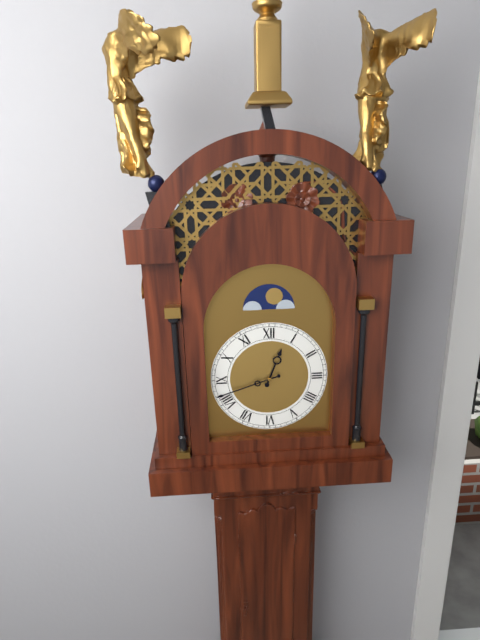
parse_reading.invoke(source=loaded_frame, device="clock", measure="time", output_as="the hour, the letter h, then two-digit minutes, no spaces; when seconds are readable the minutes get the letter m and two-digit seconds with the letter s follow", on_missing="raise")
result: 12h42
